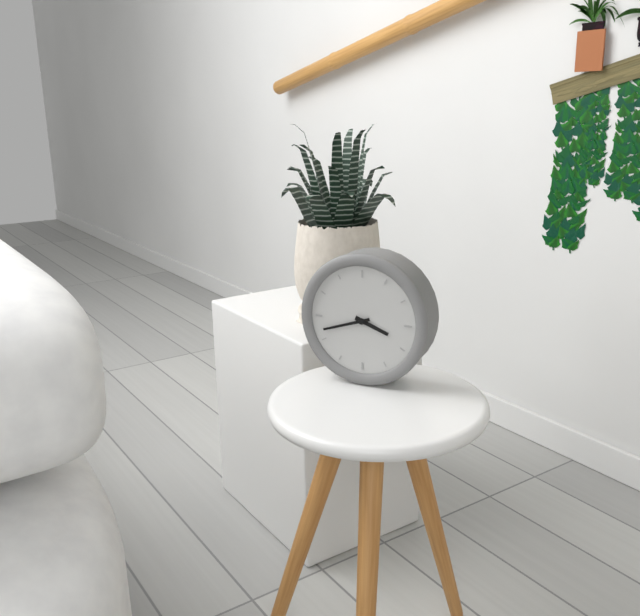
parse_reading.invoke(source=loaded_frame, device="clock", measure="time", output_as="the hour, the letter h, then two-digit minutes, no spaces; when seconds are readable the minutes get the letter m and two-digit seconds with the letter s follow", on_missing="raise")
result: 3h42
